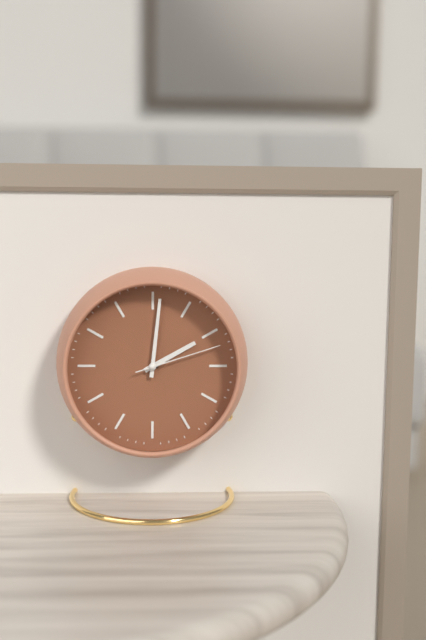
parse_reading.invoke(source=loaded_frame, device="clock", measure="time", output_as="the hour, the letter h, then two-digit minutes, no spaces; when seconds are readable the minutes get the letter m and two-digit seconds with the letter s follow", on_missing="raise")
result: 2h01m12s
